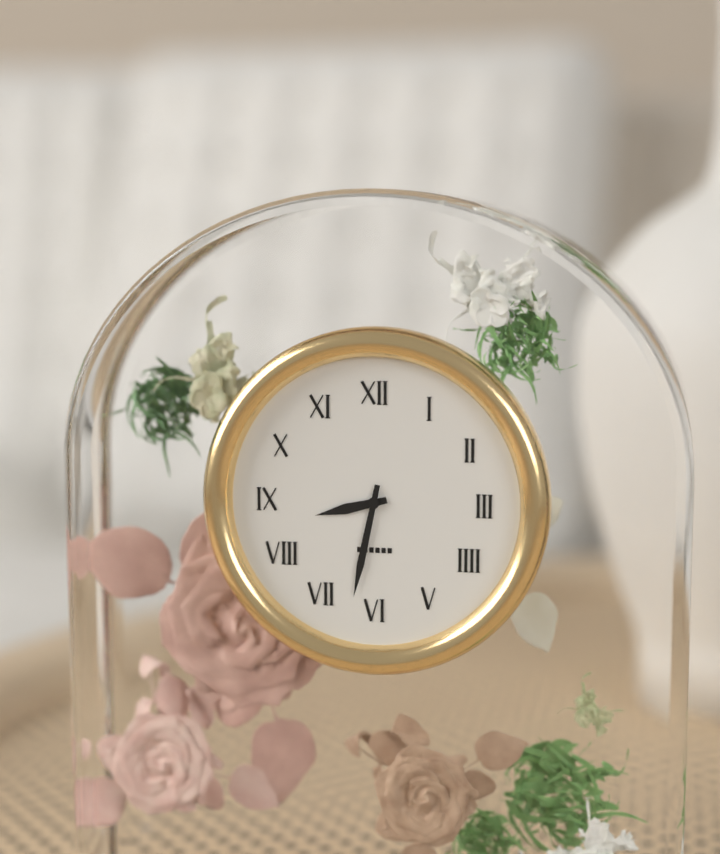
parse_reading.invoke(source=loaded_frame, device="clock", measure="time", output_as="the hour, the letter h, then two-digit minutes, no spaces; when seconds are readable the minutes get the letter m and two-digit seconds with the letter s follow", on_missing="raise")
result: 8h32
